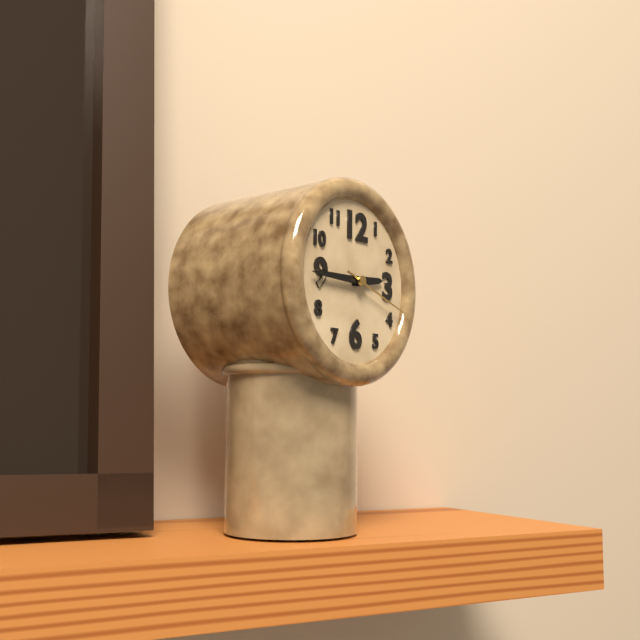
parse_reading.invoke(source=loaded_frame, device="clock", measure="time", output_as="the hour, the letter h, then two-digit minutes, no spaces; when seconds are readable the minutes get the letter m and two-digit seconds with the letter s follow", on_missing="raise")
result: 2h45m18s
